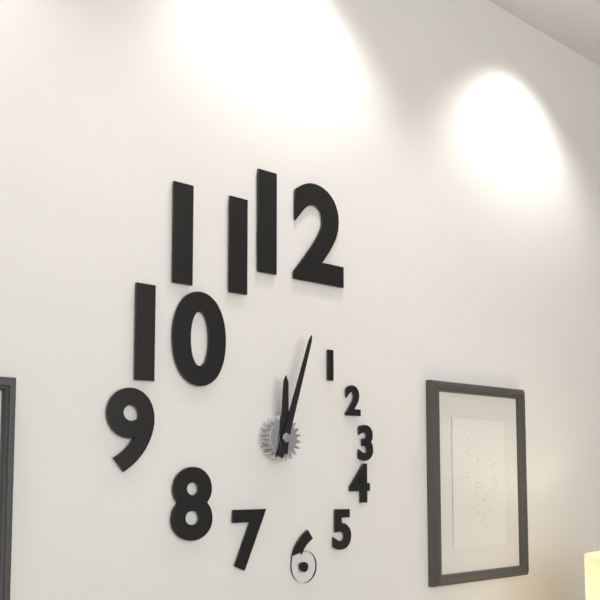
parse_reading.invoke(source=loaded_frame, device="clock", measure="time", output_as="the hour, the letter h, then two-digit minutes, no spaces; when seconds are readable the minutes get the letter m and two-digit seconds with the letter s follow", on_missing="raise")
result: 12h03
